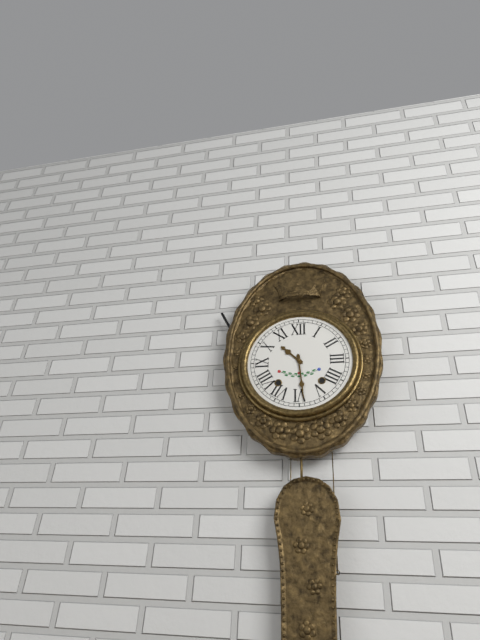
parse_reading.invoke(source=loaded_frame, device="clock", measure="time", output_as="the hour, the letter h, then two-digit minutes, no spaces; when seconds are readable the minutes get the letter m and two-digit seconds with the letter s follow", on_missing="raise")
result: 10h29
